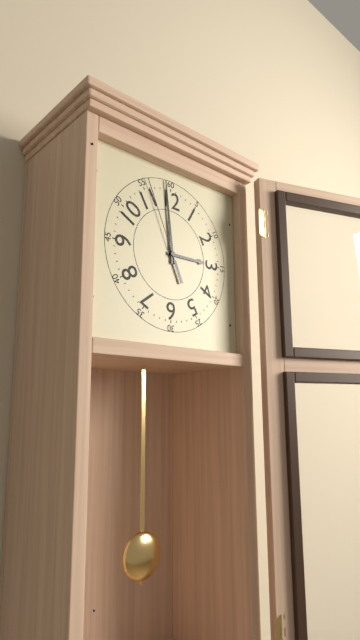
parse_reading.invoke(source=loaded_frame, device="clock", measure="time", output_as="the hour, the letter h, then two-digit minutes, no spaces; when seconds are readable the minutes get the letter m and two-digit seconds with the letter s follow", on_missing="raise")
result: 2h59m56s
